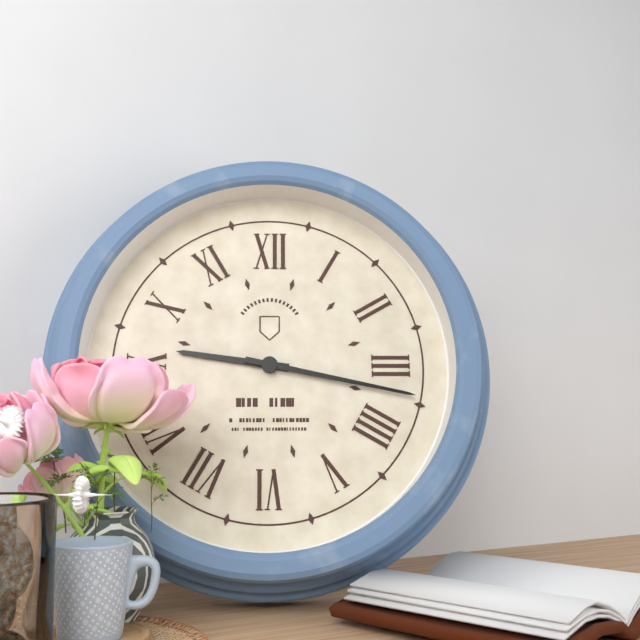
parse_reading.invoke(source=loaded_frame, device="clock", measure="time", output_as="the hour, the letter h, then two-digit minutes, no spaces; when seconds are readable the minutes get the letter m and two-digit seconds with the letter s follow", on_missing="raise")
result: 9h17
